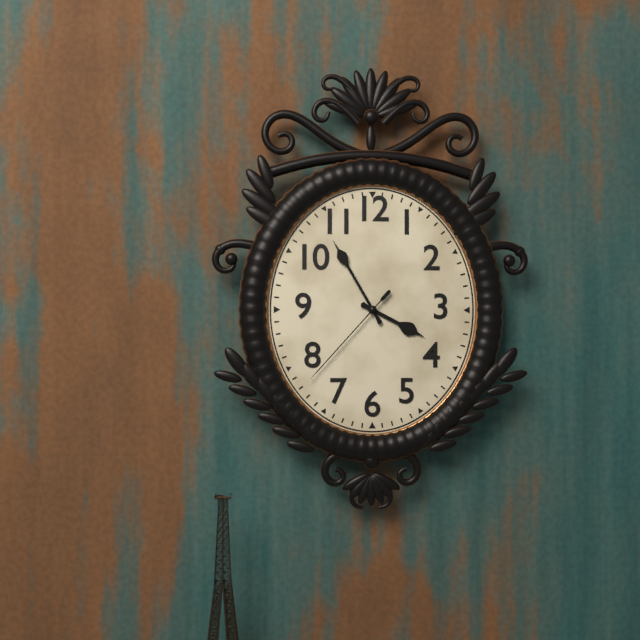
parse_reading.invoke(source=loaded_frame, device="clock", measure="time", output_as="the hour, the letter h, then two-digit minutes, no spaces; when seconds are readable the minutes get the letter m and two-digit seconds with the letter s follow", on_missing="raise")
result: 3h55m37s
